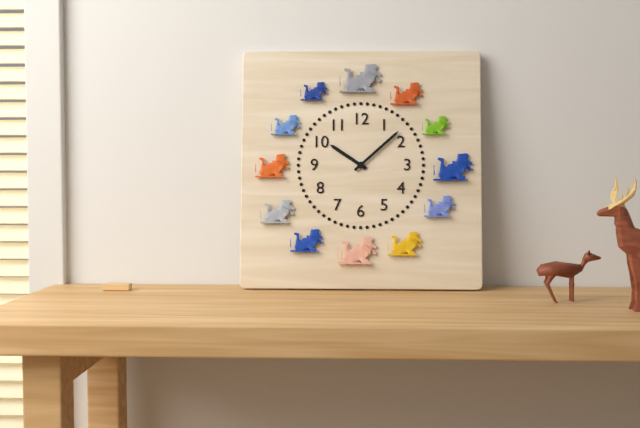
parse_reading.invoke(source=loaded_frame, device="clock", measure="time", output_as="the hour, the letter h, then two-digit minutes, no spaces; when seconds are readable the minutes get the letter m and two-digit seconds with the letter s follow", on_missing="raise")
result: 10h08
